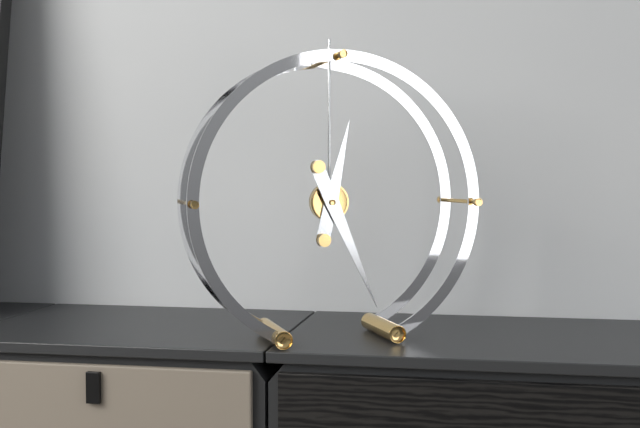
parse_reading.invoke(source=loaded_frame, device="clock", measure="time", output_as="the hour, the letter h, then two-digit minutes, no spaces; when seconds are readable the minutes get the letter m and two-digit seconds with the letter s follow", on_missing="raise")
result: 12h26
